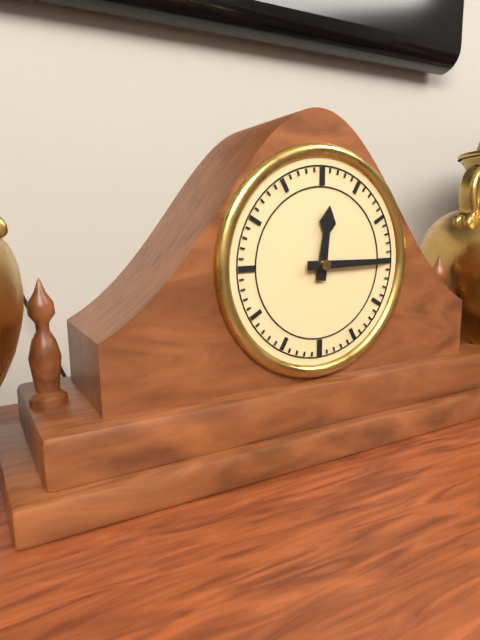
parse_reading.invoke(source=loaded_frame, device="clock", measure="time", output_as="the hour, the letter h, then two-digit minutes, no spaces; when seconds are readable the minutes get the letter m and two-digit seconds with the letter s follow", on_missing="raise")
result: 12h15
